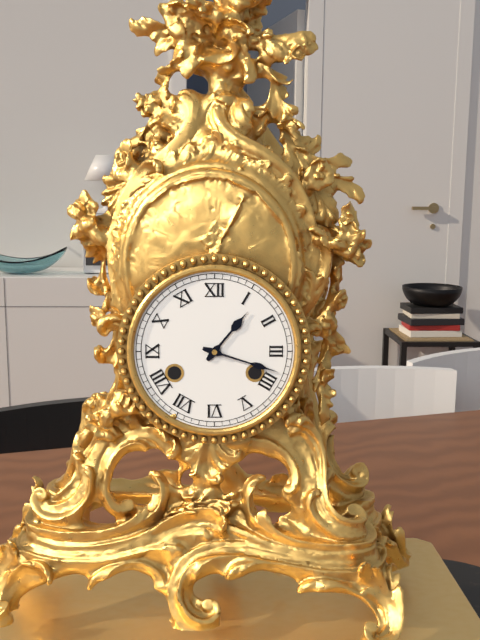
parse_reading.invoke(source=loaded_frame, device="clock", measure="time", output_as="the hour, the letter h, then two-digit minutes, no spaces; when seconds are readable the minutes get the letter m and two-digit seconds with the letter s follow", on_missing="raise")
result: 1h18
